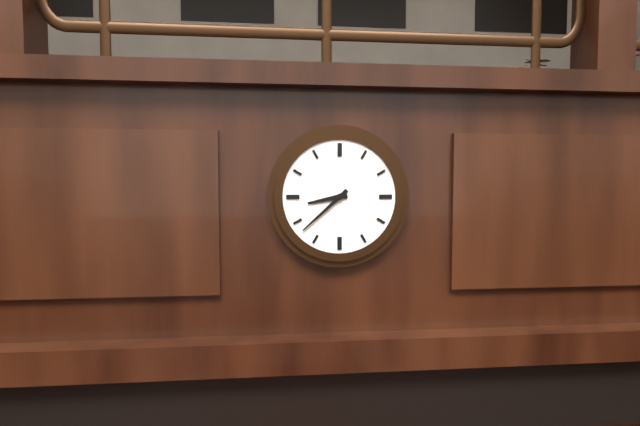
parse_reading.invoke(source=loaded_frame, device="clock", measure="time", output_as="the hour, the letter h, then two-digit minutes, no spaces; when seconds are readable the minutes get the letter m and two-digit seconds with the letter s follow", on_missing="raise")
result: 8h38
